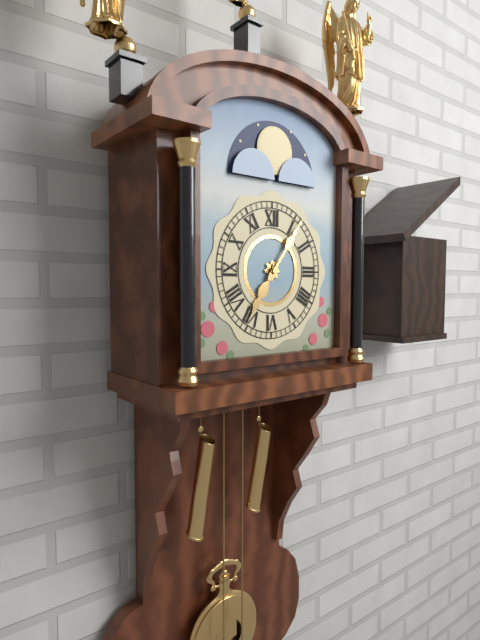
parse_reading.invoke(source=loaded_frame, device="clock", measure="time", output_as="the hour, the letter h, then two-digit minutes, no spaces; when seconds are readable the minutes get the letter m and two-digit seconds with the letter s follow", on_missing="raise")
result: 7h06
